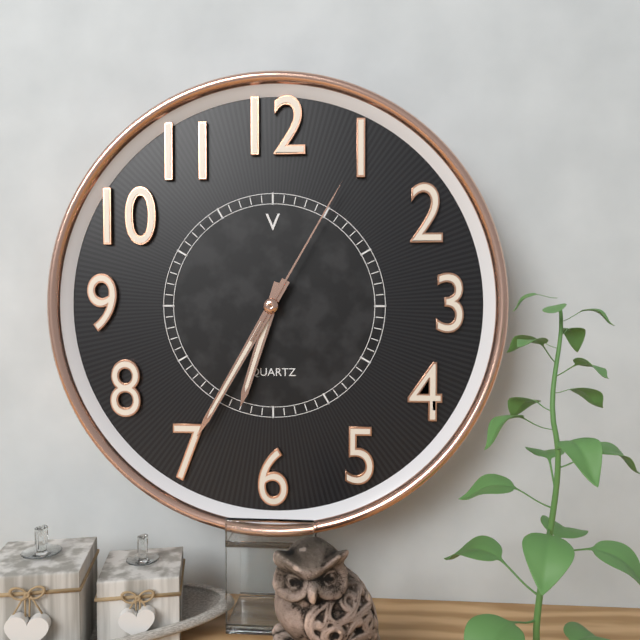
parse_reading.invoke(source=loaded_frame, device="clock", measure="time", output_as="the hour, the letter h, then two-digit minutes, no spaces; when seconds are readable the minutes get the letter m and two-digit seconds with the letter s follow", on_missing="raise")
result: 6h35m05s
